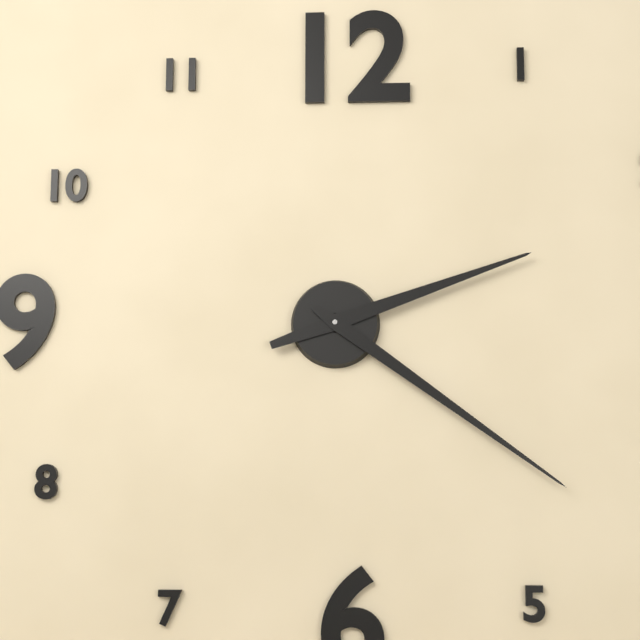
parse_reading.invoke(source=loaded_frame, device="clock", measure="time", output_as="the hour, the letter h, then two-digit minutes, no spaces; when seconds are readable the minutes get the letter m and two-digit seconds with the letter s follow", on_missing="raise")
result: 2h21
